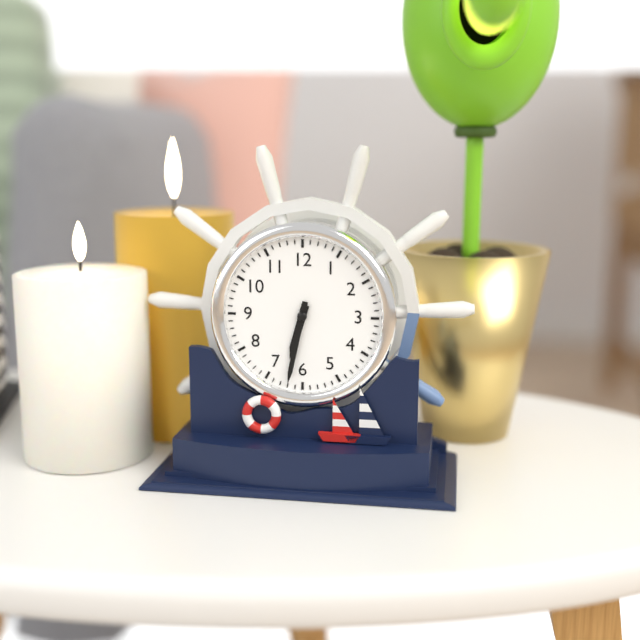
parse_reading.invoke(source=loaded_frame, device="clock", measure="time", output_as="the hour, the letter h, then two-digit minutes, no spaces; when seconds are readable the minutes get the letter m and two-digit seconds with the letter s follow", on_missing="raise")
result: 6h32
